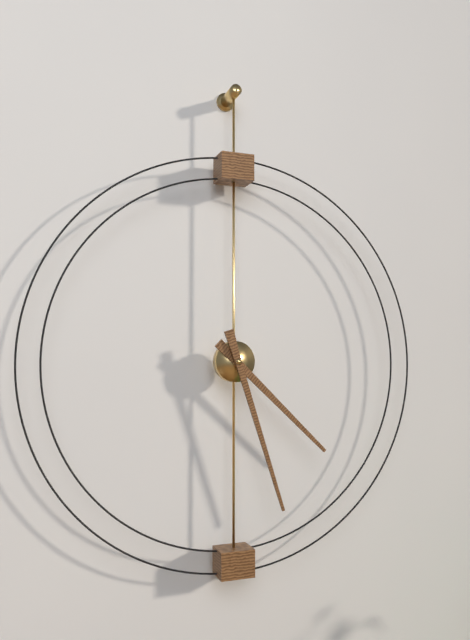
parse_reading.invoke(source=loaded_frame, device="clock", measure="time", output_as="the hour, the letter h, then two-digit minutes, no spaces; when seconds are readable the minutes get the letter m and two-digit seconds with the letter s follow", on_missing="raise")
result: 4h27
